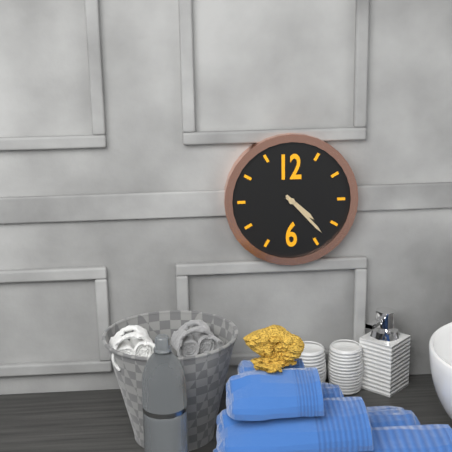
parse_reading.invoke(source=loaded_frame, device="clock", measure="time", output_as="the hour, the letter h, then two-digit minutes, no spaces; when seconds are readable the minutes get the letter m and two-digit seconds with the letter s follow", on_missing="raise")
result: 4h23
